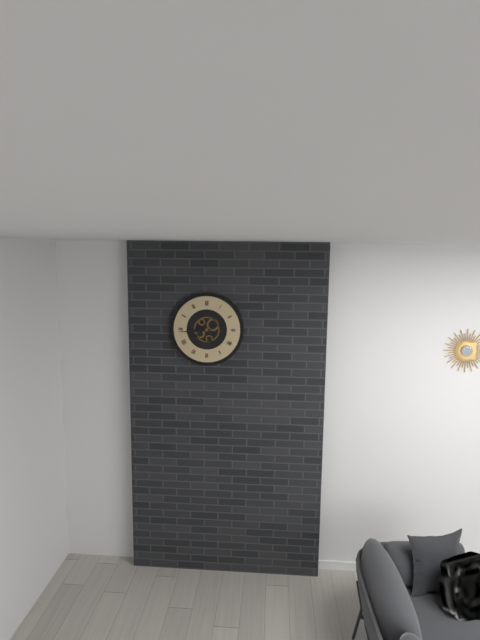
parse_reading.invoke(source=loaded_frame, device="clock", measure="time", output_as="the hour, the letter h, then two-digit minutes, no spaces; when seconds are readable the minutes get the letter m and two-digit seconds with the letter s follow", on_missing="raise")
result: 8h44
